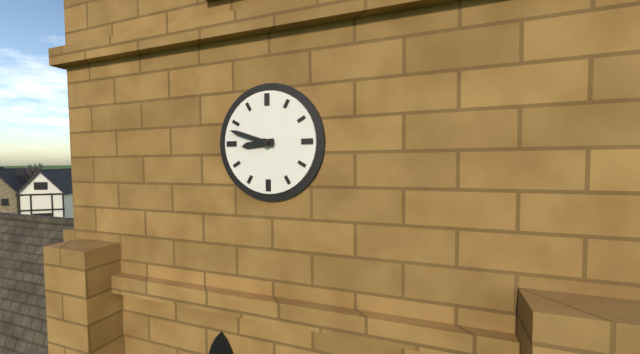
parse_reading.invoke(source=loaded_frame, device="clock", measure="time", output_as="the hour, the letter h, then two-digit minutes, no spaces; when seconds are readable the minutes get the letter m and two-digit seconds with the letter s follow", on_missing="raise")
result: 8h48
